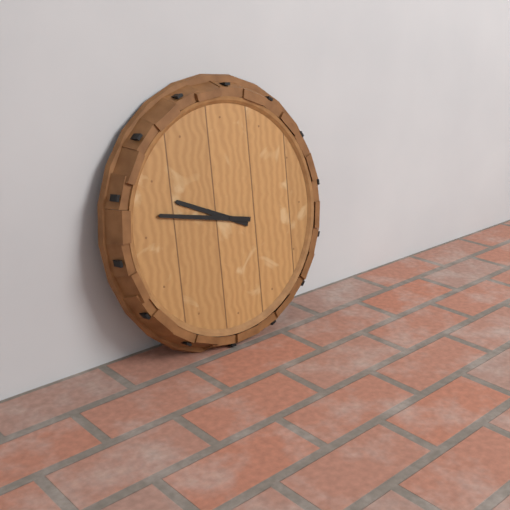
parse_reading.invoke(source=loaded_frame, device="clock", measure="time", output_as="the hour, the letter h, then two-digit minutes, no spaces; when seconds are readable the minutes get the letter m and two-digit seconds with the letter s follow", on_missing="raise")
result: 9h47
